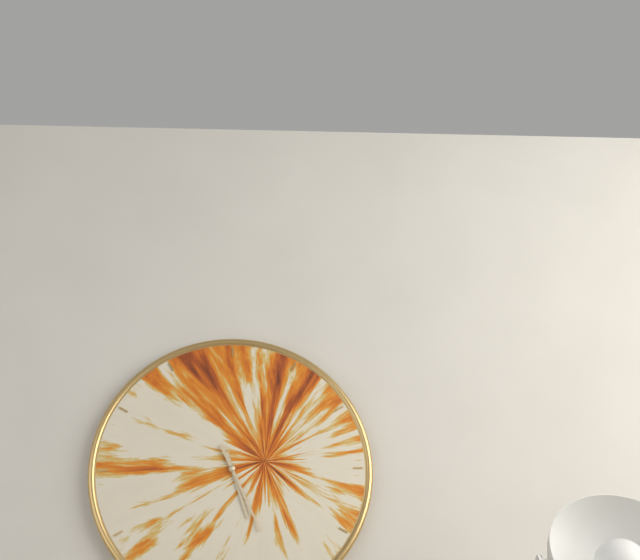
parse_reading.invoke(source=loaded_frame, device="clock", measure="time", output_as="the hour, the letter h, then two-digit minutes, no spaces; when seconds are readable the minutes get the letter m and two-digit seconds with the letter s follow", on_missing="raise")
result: 5h26
